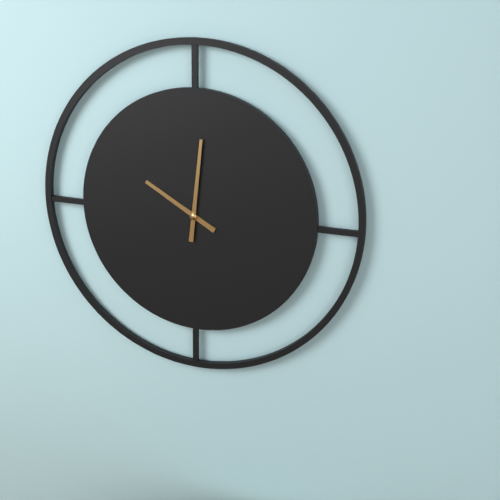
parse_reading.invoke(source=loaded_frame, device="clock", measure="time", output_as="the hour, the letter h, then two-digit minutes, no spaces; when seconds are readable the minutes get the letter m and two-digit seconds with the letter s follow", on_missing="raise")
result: 10h01
